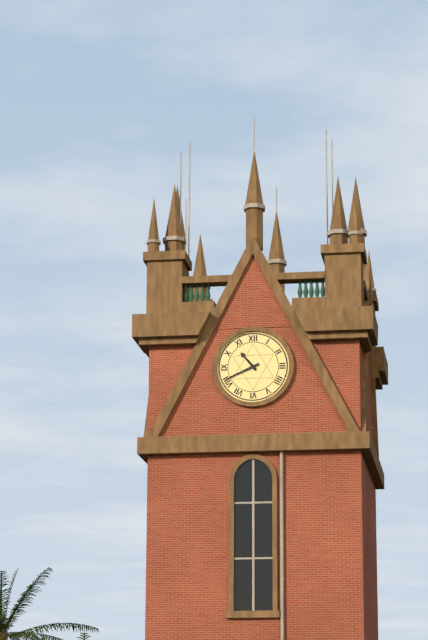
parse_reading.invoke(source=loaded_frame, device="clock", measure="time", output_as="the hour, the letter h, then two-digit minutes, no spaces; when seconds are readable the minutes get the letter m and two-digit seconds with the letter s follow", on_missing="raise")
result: 10h41
